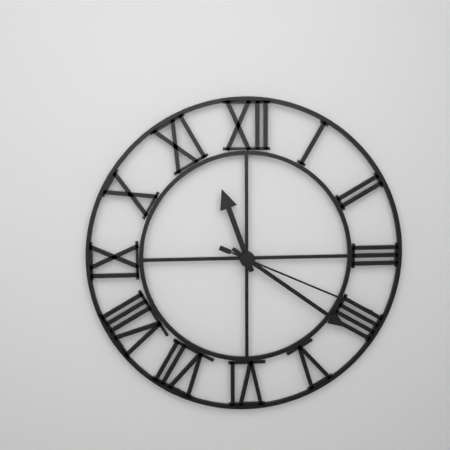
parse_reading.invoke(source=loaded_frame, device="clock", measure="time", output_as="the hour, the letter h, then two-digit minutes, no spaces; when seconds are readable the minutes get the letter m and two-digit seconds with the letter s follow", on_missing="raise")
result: 11h21m19s
